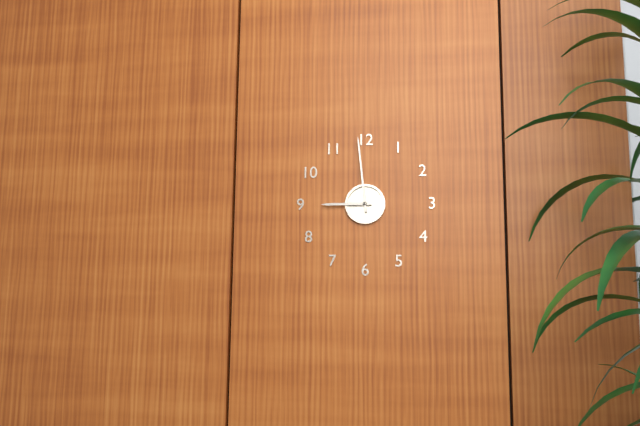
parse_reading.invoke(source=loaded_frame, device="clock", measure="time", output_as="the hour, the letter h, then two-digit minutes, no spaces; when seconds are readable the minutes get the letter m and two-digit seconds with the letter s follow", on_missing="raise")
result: 8h59
